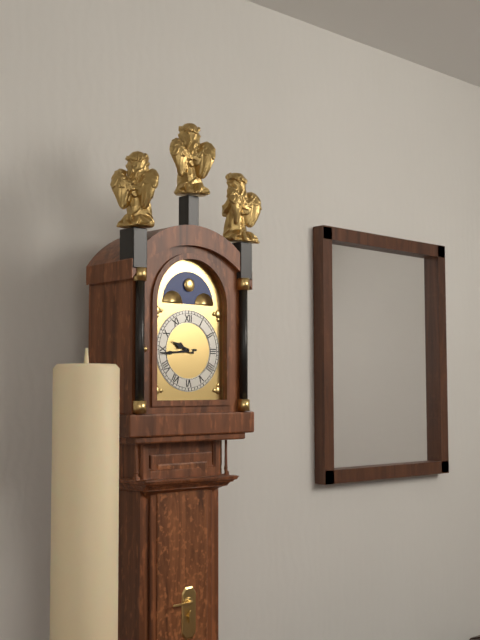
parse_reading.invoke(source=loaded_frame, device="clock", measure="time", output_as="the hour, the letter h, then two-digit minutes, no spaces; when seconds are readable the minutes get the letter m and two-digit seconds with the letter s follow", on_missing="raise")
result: 9h44
